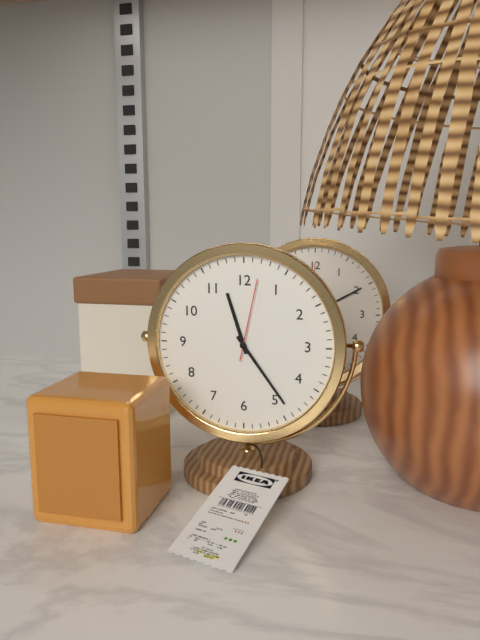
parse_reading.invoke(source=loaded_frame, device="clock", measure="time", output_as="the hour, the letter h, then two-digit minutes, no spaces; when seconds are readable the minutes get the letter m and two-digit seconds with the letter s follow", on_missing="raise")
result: 11h24m02s
